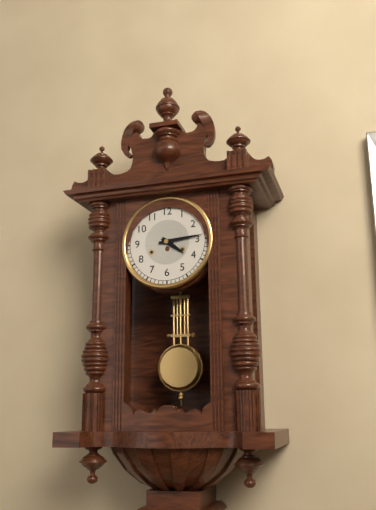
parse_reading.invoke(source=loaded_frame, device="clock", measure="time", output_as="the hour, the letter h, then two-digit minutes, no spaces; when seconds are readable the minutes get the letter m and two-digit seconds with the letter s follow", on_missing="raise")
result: 4h14
